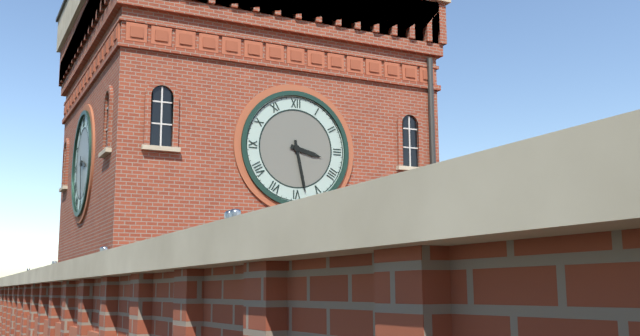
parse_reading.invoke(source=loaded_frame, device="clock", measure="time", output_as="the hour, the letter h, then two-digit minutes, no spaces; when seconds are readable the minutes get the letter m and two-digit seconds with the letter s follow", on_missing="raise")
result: 3h28
